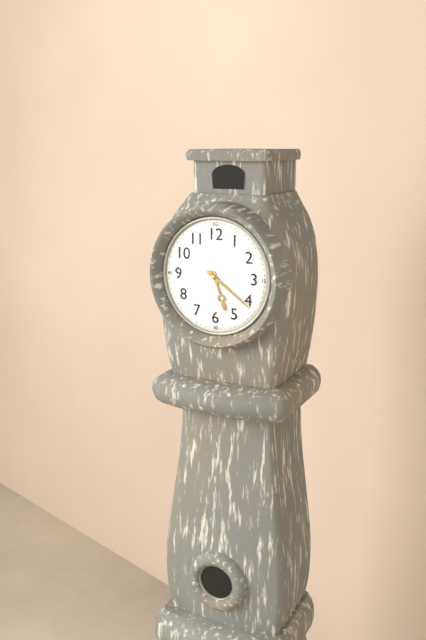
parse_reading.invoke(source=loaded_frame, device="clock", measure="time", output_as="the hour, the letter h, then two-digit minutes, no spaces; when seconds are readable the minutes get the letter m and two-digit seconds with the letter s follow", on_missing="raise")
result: 5h21
